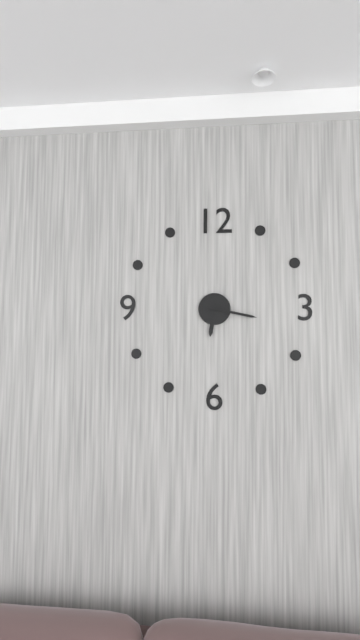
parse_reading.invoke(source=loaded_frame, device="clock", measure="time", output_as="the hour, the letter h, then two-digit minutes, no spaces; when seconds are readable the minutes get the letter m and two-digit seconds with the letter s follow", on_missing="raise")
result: 6h17
